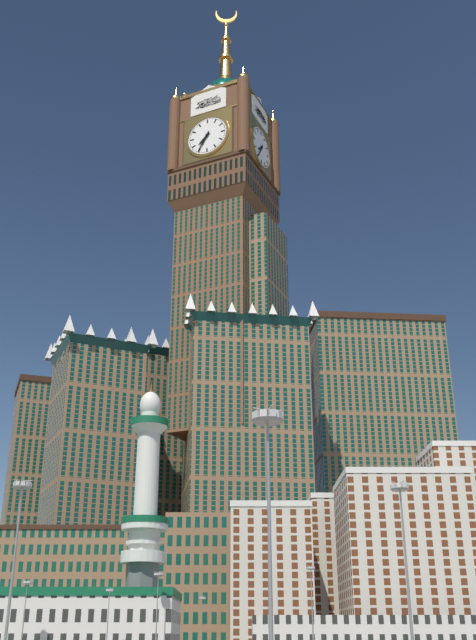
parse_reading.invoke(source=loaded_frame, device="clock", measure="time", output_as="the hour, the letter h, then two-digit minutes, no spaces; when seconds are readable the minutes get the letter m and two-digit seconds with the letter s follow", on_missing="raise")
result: 7h35
